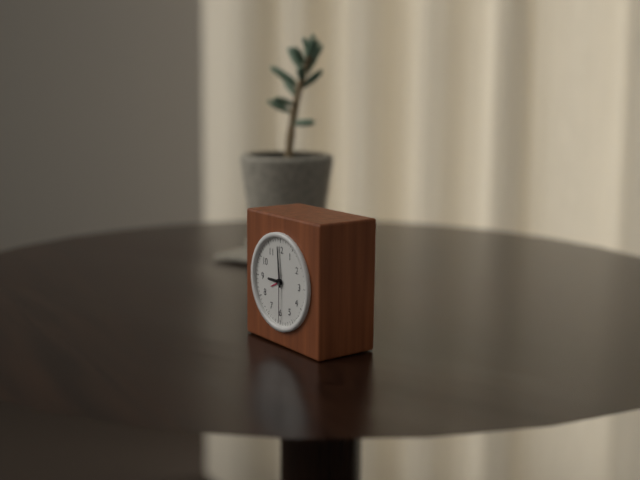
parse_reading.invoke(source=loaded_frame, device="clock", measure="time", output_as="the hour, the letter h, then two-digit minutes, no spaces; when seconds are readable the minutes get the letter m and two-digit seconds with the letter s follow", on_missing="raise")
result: 8h59m30s
